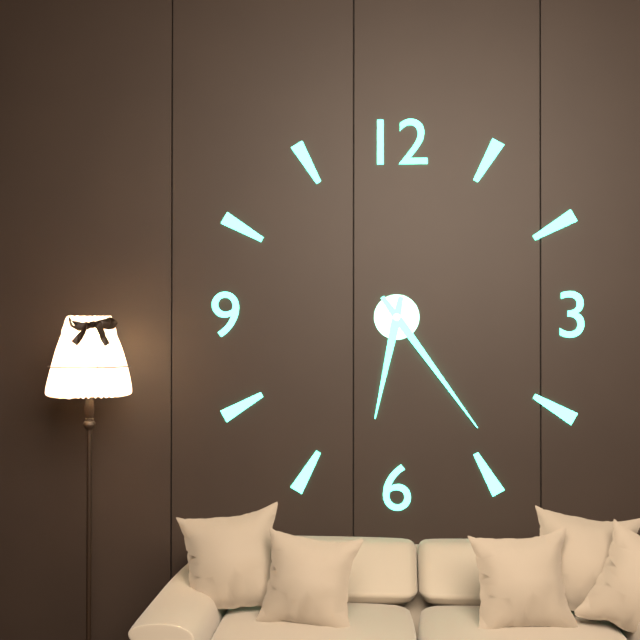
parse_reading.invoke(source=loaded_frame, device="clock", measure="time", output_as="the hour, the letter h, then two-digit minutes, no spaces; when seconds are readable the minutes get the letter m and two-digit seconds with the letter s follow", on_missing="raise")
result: 6h24
